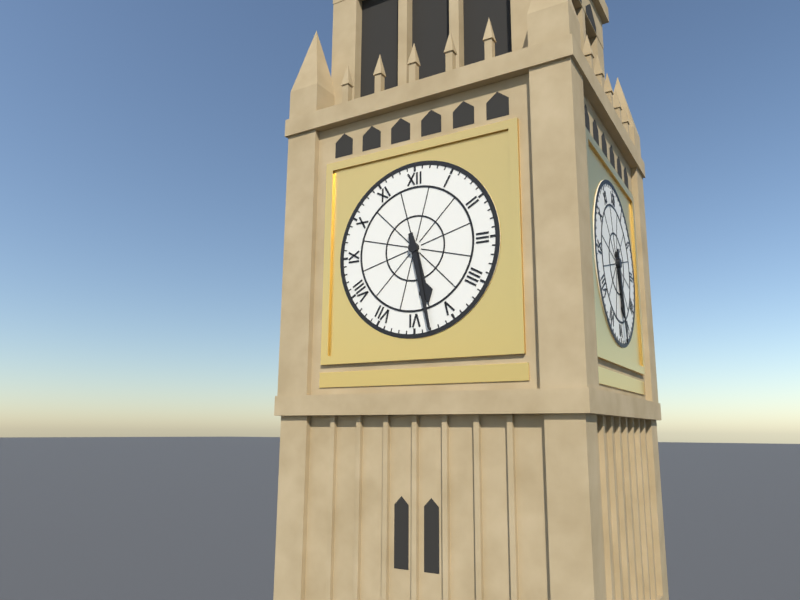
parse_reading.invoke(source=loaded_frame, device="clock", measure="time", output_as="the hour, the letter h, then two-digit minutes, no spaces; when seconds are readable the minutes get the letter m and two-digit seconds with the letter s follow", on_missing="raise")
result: 5h28
